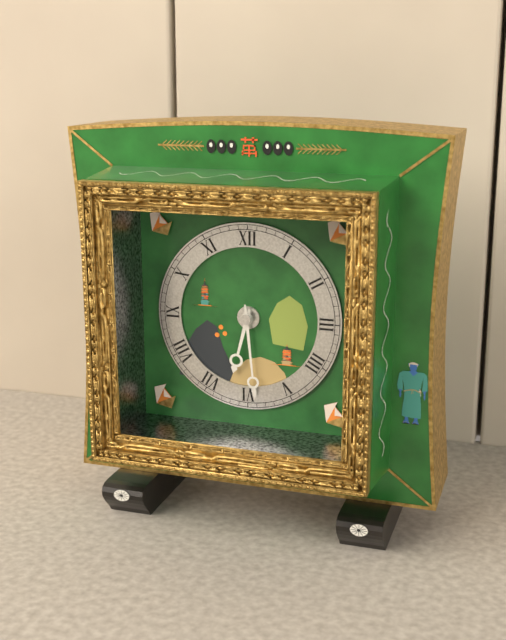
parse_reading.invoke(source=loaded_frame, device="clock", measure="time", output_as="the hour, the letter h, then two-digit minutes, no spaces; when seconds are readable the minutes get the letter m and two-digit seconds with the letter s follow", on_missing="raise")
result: 6h29
